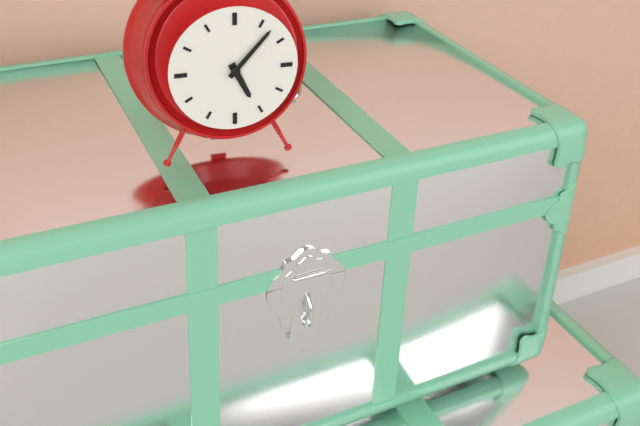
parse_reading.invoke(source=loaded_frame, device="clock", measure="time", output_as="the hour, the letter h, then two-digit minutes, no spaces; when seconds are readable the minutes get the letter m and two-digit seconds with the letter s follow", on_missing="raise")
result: 5h07
